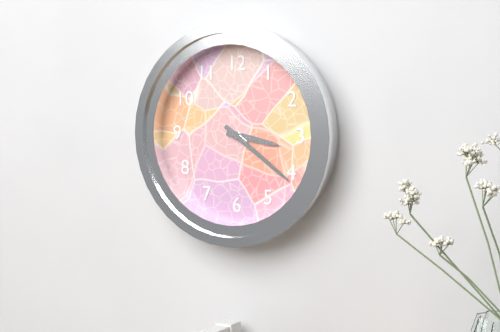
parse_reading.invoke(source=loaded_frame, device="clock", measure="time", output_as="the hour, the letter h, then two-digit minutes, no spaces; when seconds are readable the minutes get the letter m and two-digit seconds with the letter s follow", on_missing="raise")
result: 3h21
